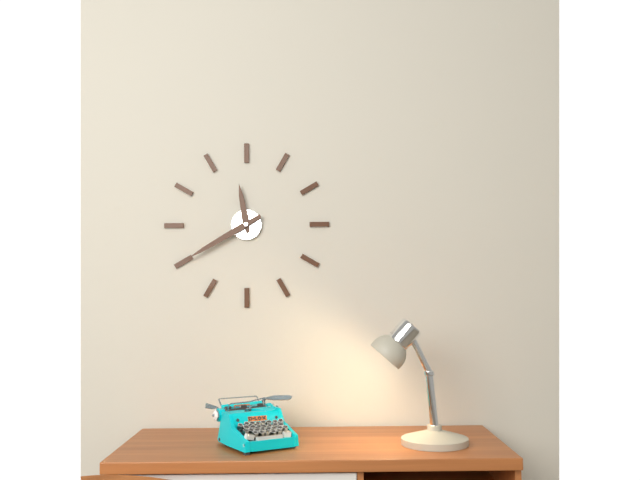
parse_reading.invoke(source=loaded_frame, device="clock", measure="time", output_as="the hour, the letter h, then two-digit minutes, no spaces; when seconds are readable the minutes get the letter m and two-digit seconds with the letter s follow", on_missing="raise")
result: 11h40
